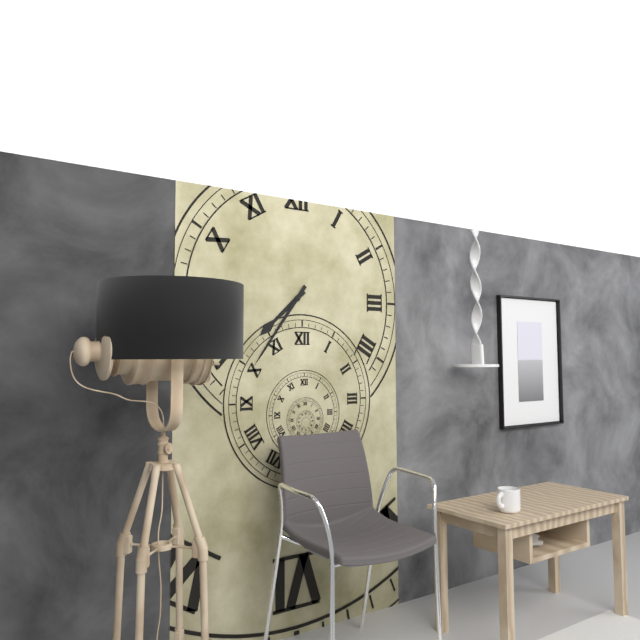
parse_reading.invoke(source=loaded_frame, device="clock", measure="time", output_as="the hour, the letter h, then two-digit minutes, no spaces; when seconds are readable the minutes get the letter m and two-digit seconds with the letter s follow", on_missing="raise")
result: 7h36
